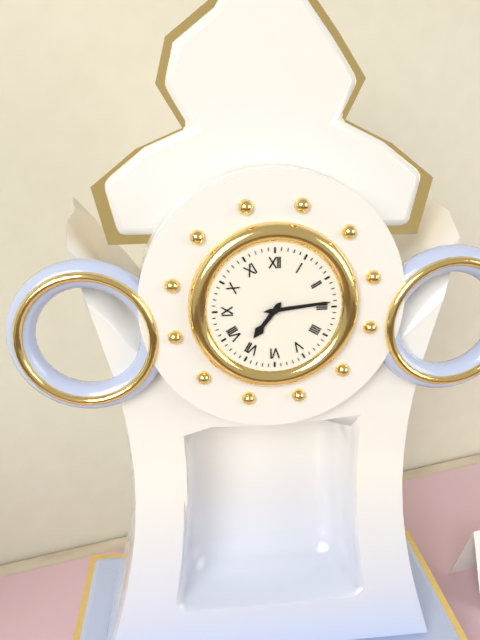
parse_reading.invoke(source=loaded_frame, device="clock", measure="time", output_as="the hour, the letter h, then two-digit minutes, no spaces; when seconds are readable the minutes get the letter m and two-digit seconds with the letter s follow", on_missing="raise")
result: 7h14
